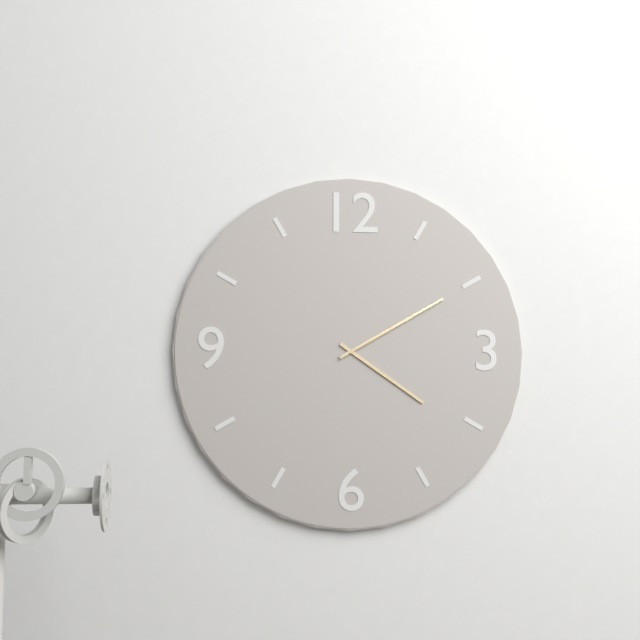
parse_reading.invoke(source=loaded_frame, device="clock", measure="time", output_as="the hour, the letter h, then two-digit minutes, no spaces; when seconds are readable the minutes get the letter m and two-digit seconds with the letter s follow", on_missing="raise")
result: 4h10
